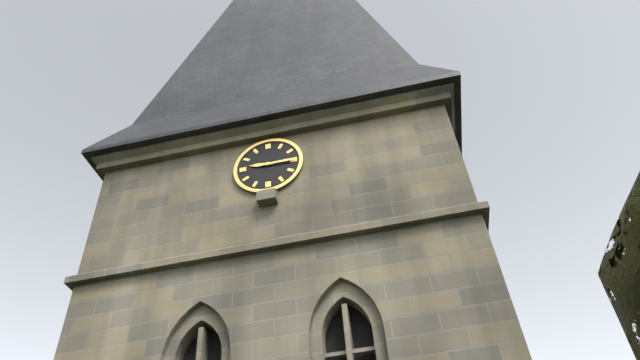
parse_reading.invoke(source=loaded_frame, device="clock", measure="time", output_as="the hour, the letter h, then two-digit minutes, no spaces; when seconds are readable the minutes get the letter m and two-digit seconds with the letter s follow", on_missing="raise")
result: 9h15
